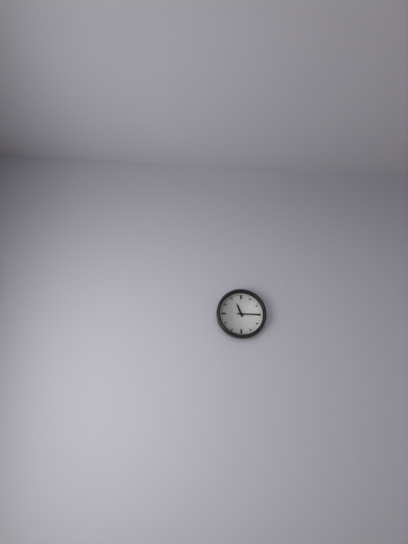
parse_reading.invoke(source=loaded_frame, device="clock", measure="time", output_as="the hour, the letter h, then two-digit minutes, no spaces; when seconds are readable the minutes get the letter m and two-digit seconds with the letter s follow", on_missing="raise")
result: 11h15
